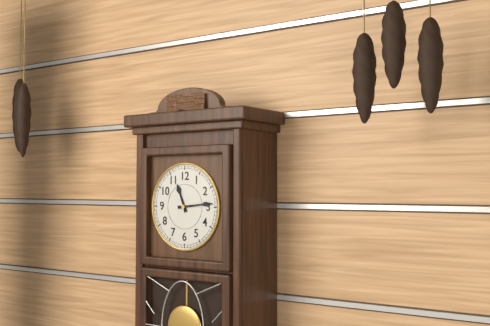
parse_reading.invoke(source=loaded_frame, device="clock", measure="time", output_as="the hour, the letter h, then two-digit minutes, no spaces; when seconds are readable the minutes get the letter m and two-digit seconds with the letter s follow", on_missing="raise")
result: 11h14
